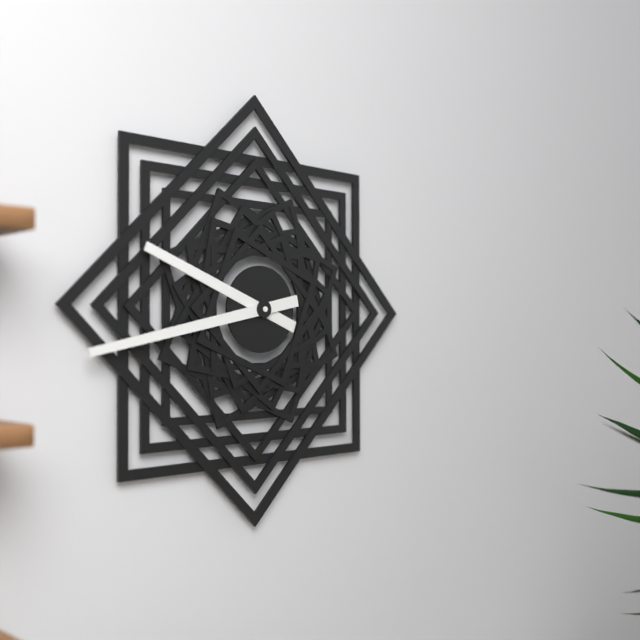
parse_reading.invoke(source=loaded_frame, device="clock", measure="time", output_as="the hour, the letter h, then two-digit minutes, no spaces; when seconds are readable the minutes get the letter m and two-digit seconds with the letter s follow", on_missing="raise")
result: 9h43
